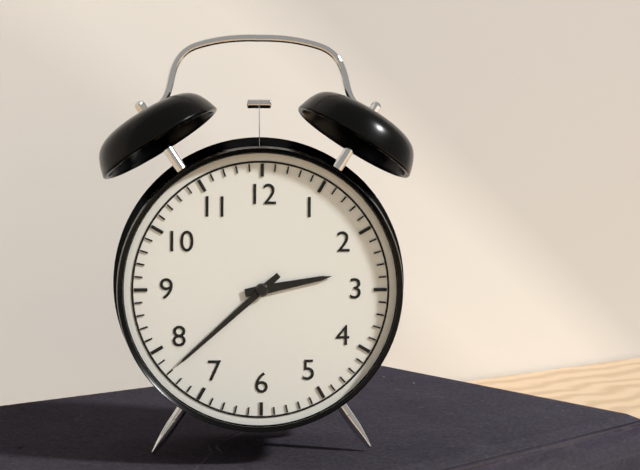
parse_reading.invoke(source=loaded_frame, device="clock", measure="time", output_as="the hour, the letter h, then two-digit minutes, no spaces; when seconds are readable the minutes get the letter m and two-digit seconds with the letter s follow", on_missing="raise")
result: 2h38
